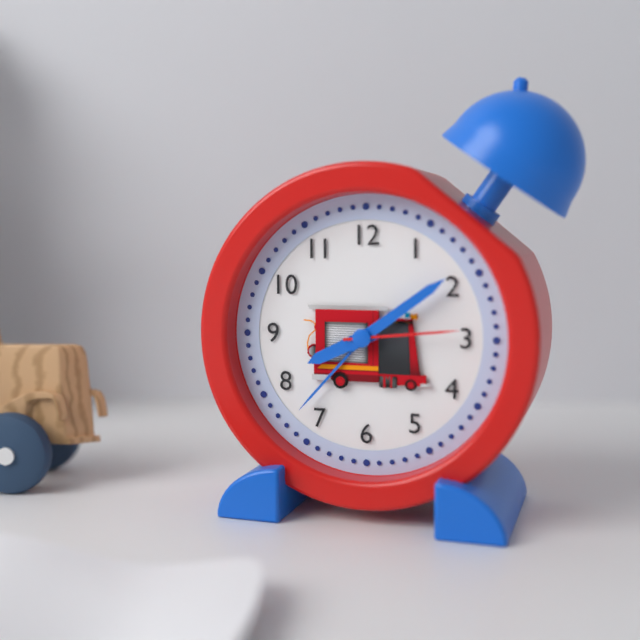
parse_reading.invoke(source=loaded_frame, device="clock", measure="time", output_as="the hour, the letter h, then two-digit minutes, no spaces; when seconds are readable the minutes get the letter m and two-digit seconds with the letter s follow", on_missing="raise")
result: 8h09m14s
